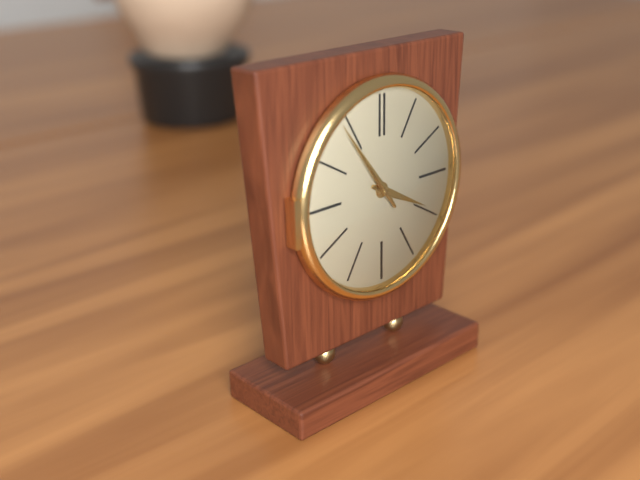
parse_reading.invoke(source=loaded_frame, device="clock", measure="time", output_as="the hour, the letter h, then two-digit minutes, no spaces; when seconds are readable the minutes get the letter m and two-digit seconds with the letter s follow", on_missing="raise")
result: 3h54
